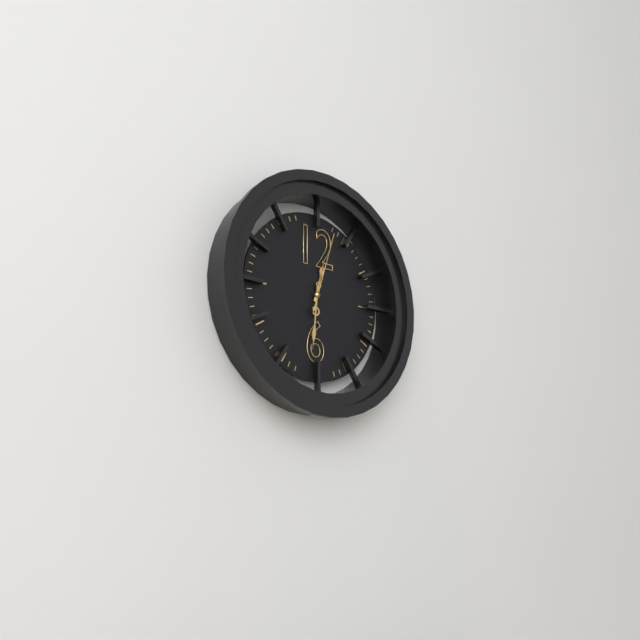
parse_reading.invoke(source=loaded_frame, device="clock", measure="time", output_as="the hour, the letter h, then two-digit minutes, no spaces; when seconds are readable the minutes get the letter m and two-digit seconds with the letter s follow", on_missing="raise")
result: 12h31m03s
